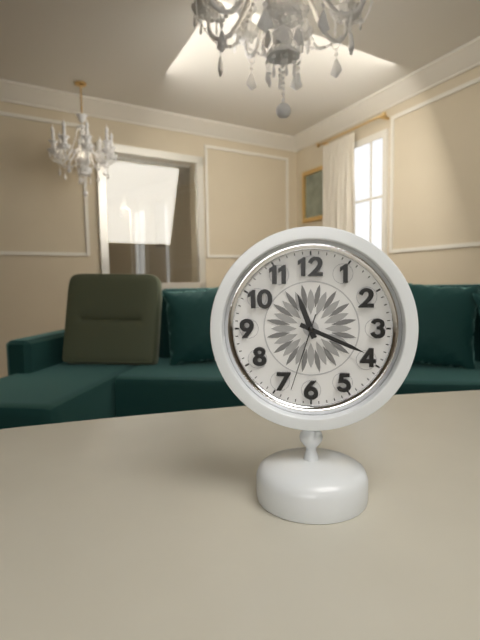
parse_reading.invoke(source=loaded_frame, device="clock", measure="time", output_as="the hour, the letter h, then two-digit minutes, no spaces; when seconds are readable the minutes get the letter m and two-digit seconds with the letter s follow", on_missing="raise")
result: 11h19m33s
